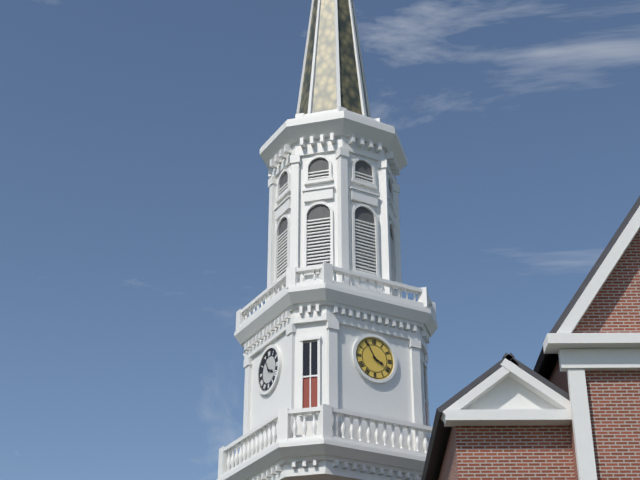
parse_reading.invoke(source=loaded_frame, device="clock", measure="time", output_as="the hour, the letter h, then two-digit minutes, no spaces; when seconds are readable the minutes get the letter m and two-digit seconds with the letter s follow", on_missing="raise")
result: 3h55
